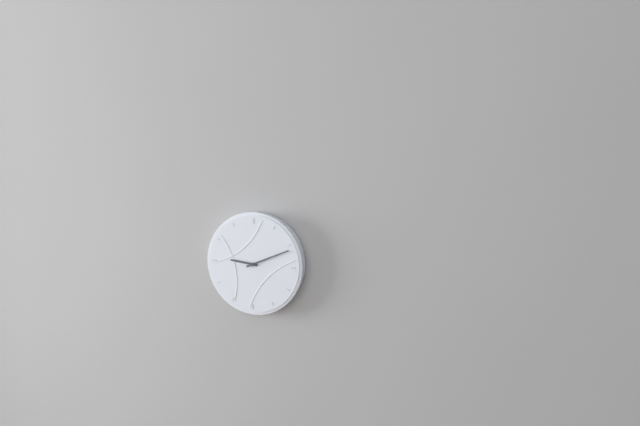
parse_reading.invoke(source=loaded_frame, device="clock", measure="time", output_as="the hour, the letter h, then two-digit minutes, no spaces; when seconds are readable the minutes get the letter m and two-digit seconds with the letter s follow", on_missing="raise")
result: 9h11
